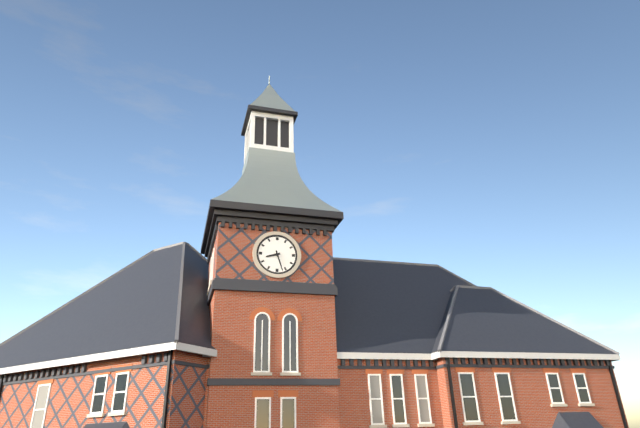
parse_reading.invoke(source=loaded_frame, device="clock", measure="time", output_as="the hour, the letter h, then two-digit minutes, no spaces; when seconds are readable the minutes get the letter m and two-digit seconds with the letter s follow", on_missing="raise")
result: 8h27
